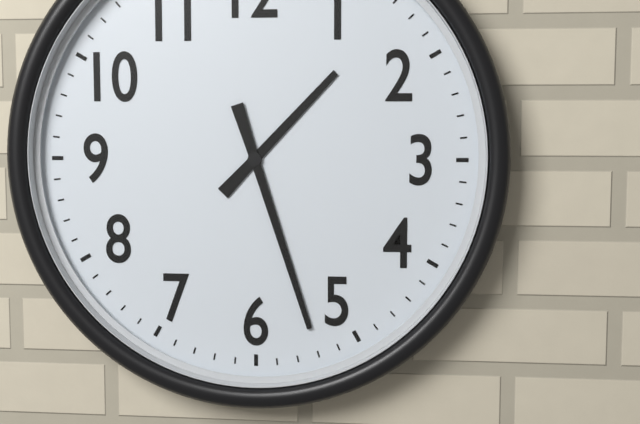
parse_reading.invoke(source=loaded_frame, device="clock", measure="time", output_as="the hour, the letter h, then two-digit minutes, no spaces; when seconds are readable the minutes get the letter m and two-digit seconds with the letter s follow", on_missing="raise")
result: 1h27
